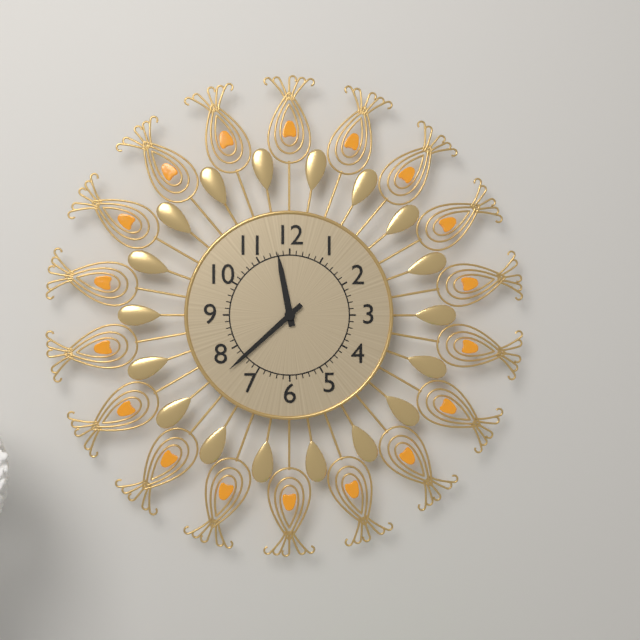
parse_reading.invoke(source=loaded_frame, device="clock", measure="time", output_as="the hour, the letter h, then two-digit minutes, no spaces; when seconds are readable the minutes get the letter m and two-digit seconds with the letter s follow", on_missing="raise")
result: 11h38
